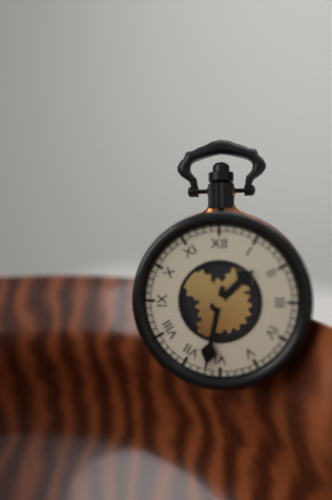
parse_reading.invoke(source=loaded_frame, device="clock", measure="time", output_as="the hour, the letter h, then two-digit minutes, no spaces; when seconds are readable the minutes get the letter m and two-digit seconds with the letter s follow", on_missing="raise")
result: 1h32
